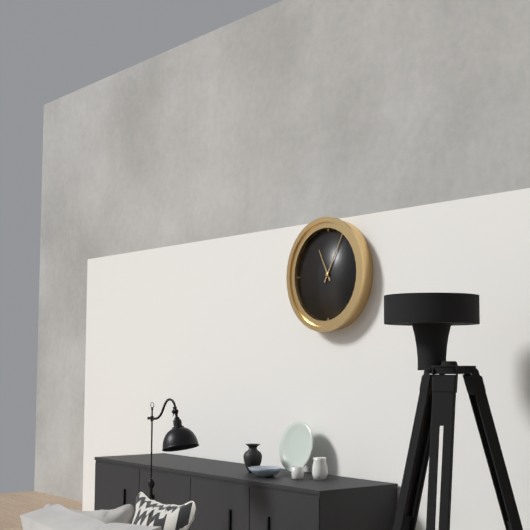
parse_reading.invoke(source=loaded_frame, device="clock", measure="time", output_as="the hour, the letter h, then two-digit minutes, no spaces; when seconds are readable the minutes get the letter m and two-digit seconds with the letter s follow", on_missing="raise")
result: 11h05
